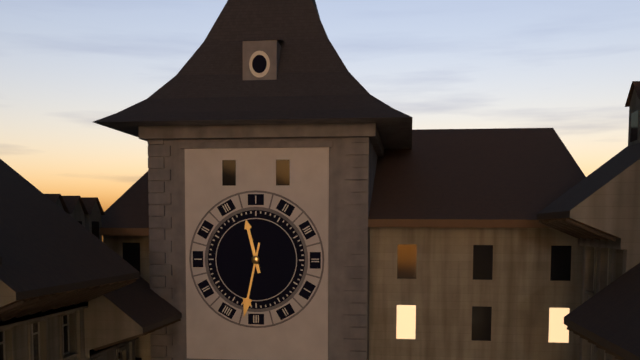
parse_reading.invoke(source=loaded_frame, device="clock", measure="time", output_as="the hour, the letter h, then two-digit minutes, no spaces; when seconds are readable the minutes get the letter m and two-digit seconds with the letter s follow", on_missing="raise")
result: 11h32
